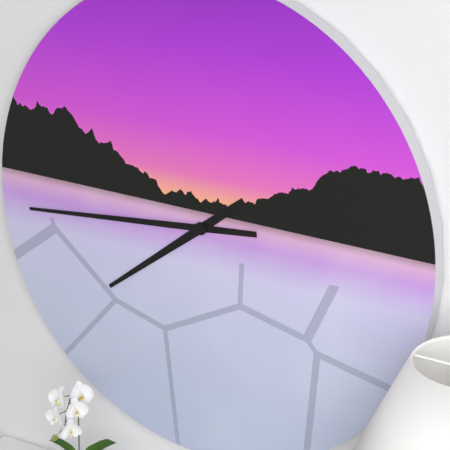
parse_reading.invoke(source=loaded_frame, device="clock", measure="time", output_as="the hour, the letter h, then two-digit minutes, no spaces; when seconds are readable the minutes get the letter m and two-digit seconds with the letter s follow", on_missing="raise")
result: 7h44
